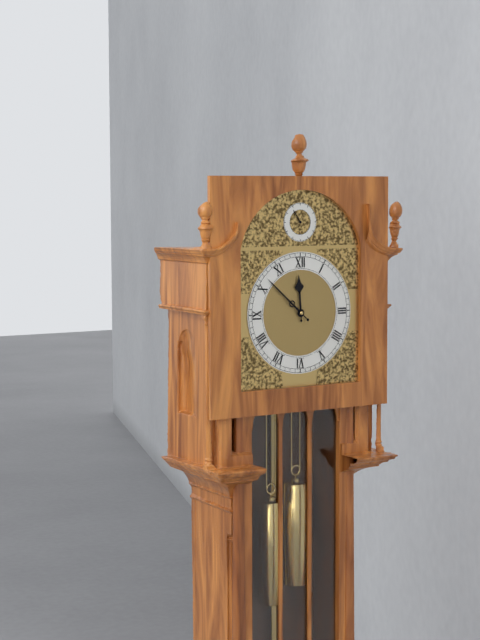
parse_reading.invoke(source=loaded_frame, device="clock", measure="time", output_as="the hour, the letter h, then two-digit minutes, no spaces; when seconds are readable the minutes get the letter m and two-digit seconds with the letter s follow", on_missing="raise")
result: 11h52
